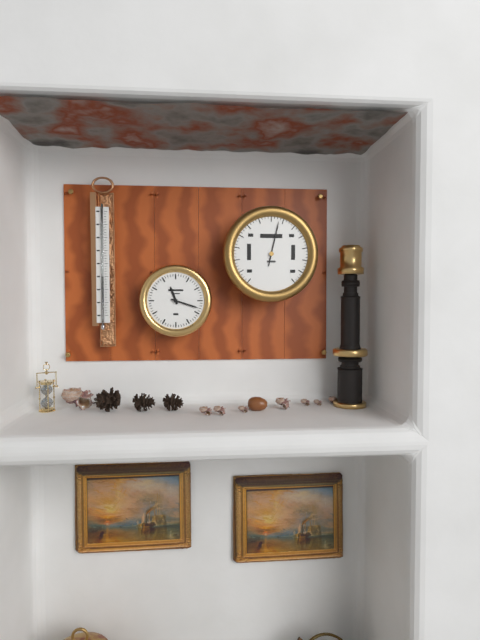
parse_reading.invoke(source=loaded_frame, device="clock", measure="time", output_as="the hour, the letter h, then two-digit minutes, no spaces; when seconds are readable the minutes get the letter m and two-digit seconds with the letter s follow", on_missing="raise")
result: 11h18
